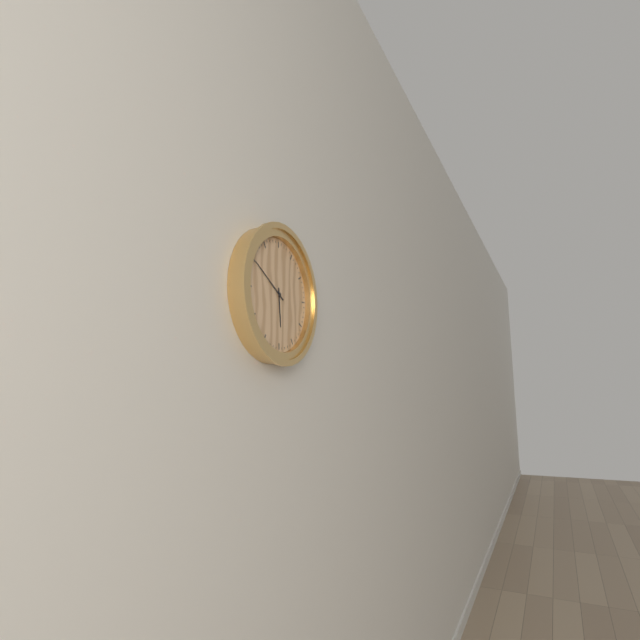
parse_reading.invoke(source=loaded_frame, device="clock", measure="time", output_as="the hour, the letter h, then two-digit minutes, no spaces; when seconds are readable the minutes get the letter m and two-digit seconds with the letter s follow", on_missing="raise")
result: 5h50
